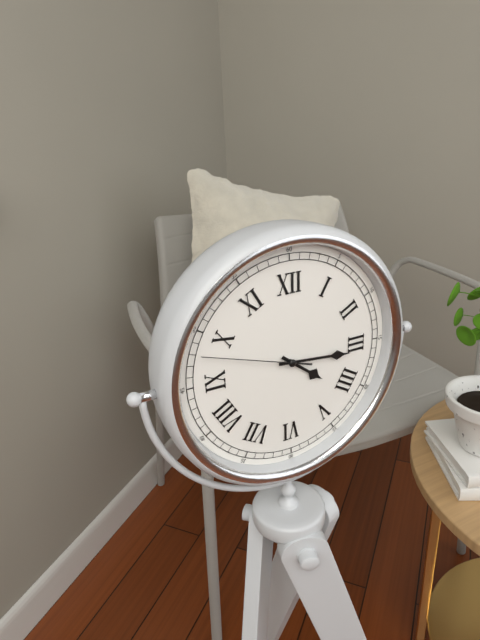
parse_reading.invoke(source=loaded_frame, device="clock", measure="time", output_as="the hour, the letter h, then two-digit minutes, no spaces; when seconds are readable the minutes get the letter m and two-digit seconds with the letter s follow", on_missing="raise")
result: 4h16m48s
